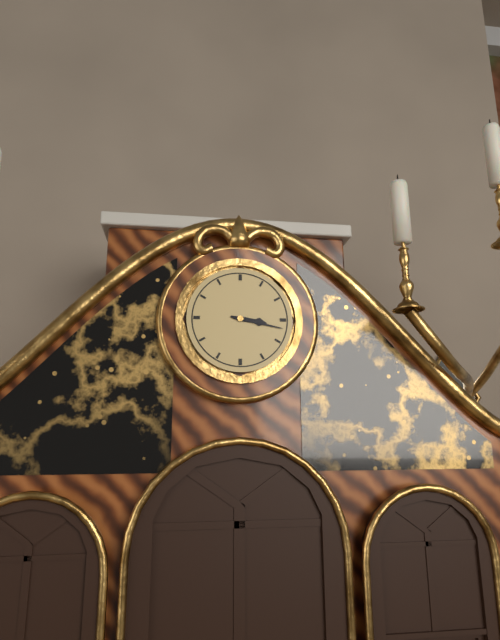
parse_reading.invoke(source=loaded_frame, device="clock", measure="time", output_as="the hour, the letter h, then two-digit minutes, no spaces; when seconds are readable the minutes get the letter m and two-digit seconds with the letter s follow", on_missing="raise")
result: 3h17
